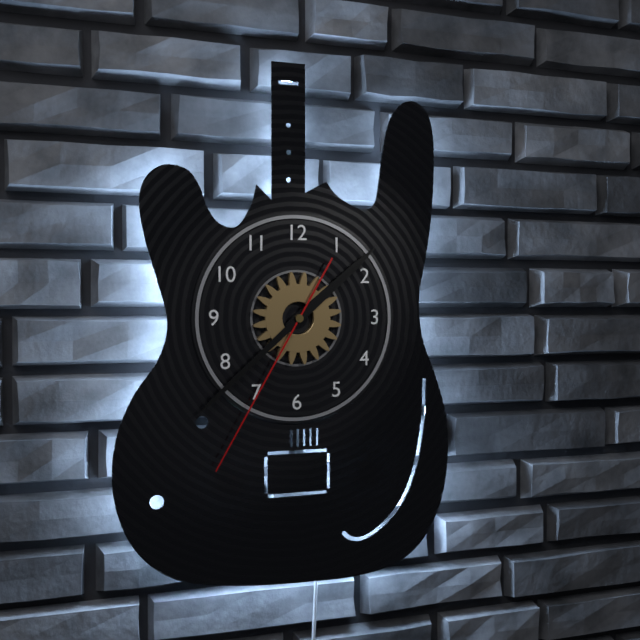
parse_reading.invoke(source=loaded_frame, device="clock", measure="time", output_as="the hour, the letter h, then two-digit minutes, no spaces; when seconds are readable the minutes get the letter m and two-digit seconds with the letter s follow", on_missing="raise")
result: 1h38m35s
